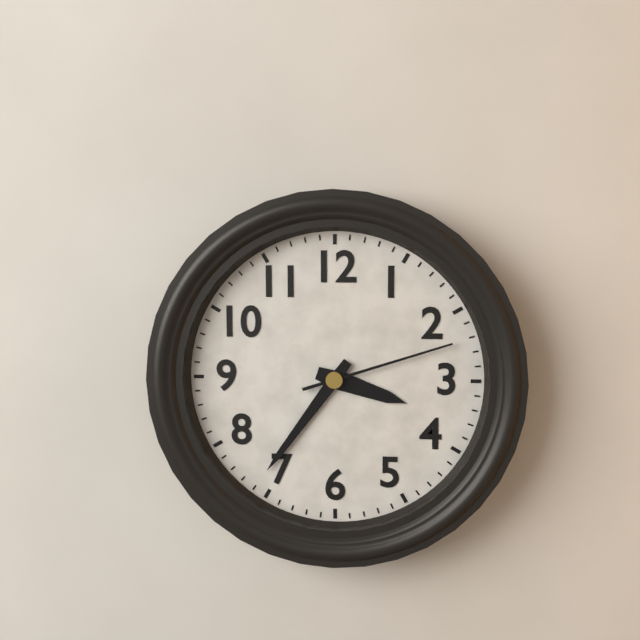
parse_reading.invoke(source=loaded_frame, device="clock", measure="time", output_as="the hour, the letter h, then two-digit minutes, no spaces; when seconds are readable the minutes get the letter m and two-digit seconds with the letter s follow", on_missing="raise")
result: 3h36m12s
